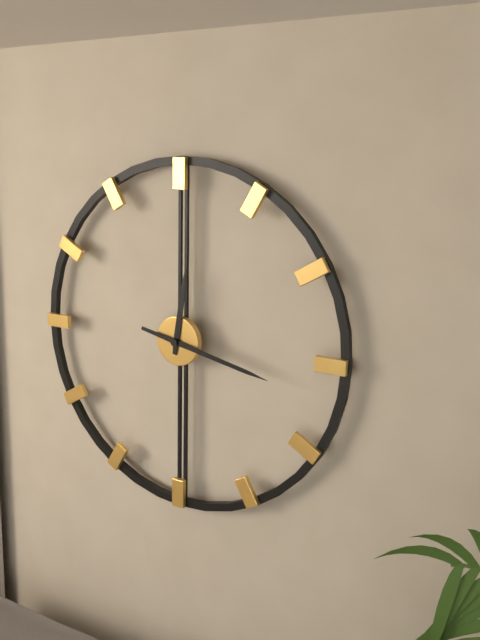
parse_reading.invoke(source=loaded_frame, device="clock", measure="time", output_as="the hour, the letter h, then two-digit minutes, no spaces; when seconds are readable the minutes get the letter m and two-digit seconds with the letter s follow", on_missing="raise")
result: 12h17
